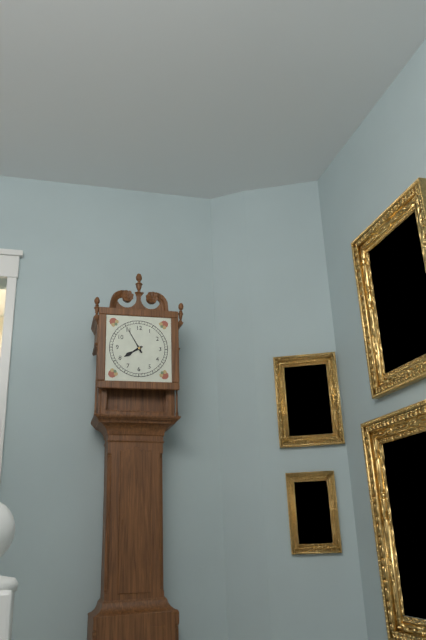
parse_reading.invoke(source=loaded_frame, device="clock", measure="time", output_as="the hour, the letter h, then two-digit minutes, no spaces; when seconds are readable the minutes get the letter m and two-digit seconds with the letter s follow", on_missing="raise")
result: 7h55
